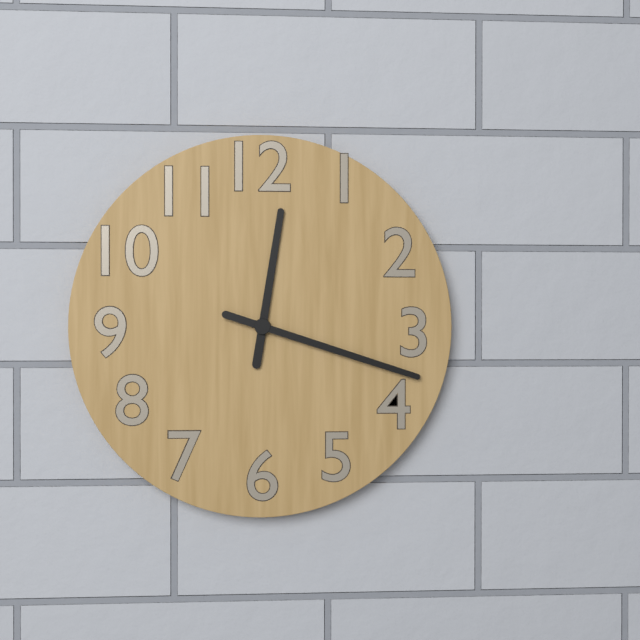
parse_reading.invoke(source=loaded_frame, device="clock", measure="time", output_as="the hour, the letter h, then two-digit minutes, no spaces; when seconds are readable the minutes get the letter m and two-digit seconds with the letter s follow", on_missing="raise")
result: 12h18
